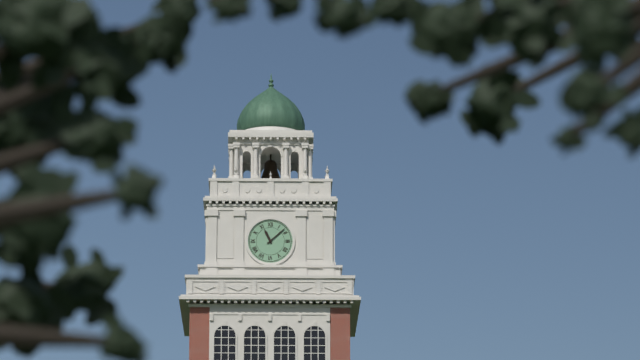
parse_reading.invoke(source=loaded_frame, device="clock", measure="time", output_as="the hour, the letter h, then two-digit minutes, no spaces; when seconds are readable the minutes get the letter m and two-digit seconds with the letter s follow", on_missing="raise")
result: 11h08
